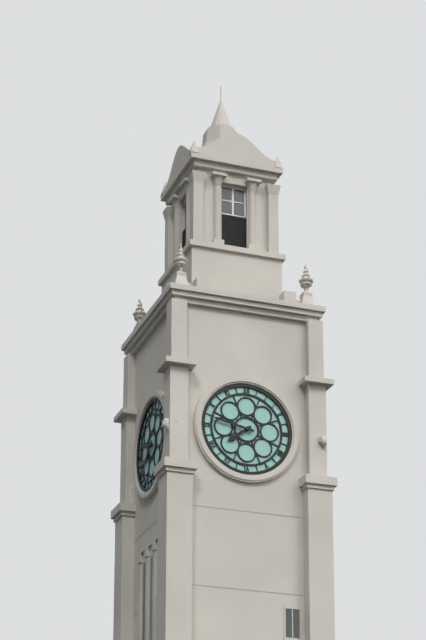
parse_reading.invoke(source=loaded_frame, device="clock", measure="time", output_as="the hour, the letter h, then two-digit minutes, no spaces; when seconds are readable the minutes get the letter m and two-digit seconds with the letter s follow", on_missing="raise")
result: 7h47
